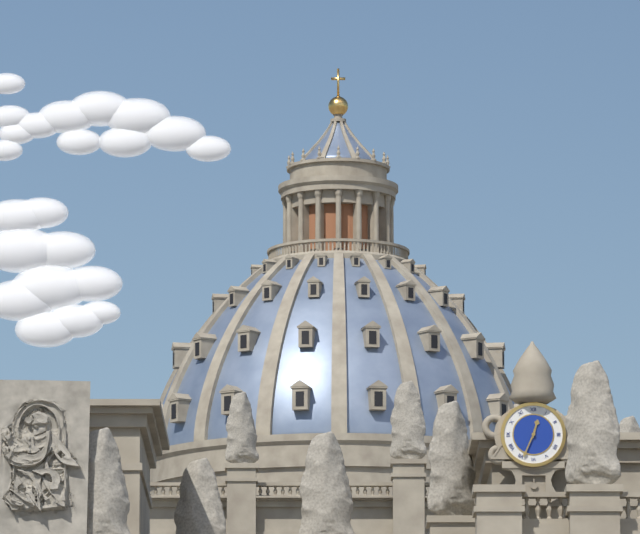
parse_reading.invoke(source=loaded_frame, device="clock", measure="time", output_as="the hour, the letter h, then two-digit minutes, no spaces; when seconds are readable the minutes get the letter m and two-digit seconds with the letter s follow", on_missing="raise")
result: 12h34
